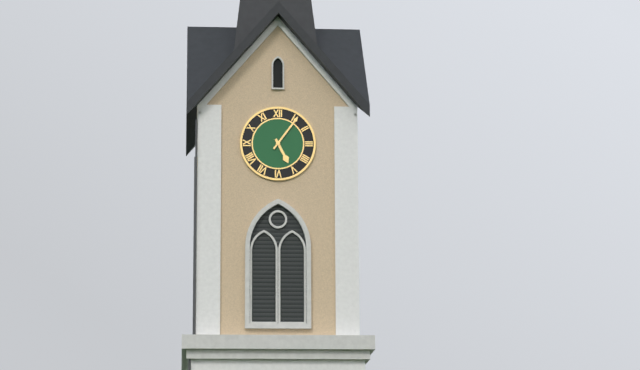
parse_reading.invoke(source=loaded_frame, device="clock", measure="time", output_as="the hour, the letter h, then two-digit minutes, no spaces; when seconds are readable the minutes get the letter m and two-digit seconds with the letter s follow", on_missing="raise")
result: 5h06
